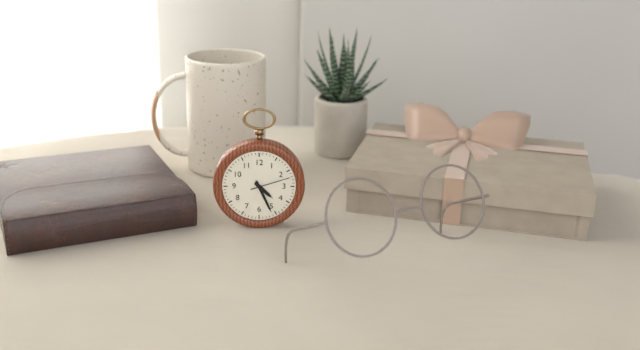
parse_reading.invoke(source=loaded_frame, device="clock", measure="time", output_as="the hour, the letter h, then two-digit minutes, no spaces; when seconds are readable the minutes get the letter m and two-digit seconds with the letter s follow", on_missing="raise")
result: 4h26
